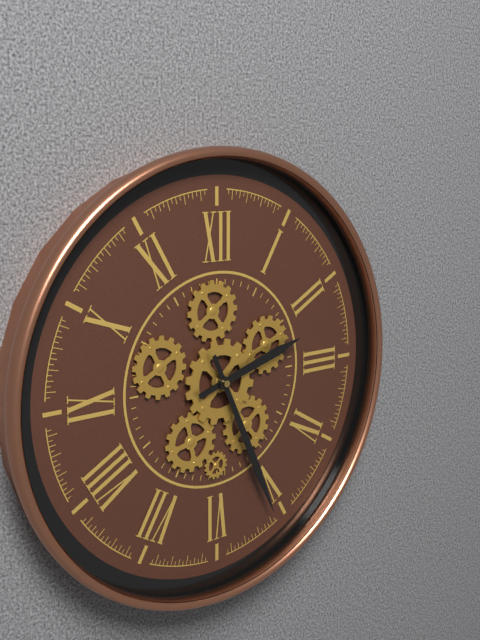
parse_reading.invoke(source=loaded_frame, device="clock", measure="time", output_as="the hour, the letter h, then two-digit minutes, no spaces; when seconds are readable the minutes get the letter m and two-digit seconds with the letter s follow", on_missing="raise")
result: 2h26
